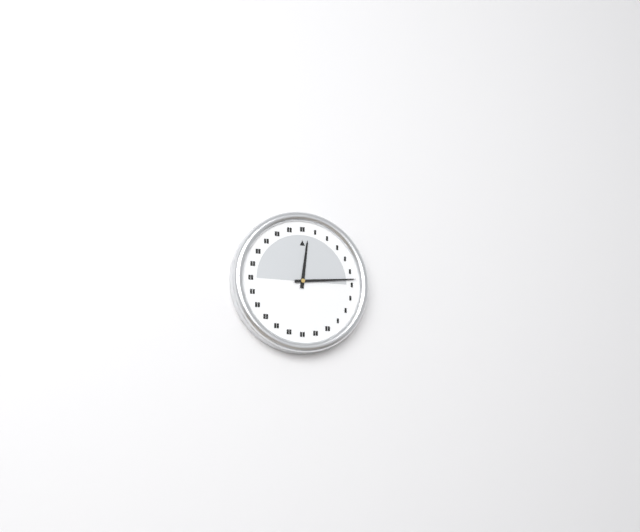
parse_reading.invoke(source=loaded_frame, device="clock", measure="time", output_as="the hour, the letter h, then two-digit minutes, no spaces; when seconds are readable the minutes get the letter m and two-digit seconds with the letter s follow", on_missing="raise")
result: 12h14
